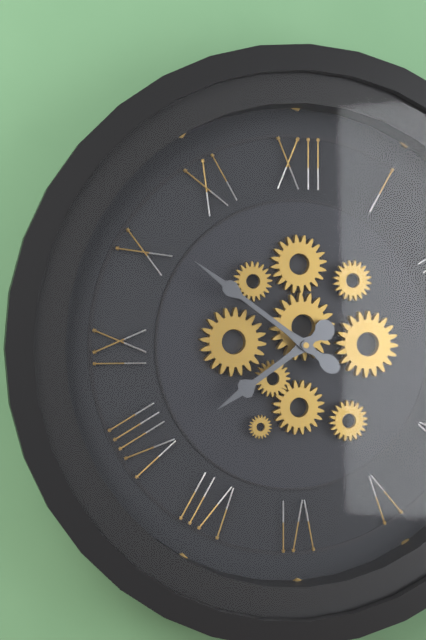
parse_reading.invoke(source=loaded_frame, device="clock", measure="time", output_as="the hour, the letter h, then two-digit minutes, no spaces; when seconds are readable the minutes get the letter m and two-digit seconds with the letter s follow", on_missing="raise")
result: 7h51
